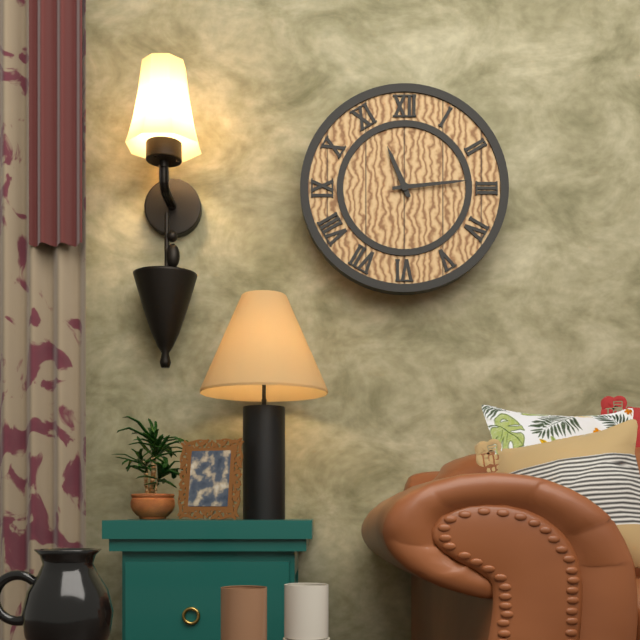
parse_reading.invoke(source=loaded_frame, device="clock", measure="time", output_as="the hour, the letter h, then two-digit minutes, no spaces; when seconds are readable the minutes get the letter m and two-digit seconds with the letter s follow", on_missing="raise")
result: 11h14
